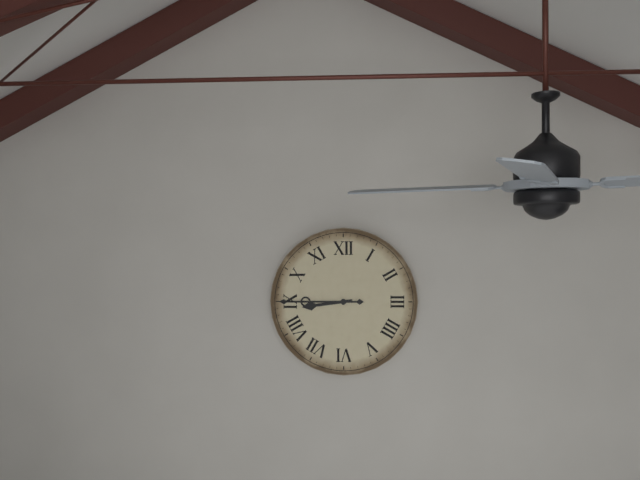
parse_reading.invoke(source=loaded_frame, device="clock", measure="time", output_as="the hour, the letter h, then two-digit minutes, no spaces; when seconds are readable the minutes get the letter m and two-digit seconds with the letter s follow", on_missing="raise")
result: 8h45
